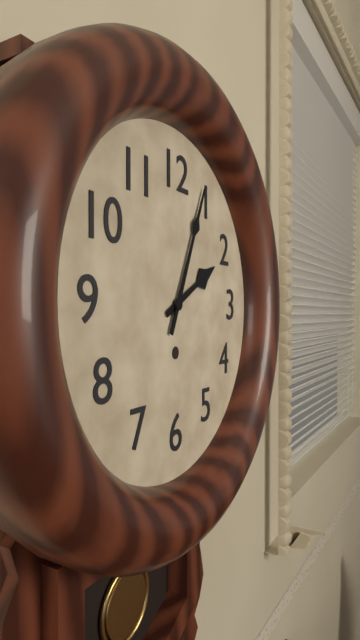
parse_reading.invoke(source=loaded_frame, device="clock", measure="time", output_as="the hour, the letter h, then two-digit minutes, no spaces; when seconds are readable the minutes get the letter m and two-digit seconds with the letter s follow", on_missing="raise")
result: 2h04
